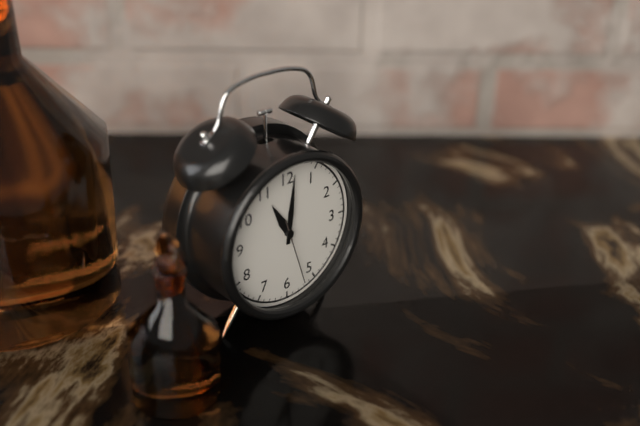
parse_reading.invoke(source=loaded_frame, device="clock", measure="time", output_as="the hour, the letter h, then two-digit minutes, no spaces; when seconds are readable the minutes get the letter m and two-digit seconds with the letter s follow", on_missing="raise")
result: 11h01m27s
